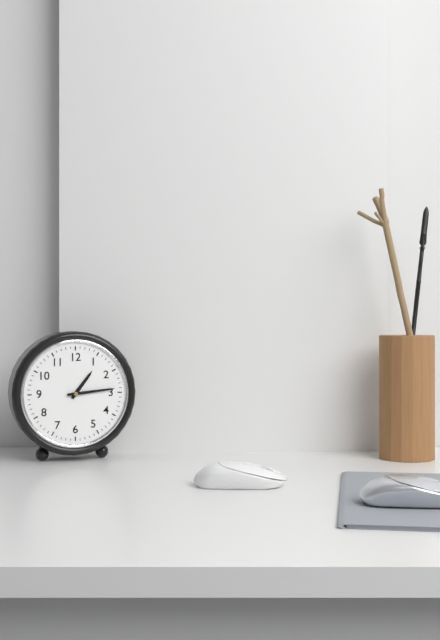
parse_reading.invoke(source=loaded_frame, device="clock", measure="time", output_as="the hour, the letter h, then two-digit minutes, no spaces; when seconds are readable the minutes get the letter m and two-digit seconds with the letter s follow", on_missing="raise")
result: 1h14
